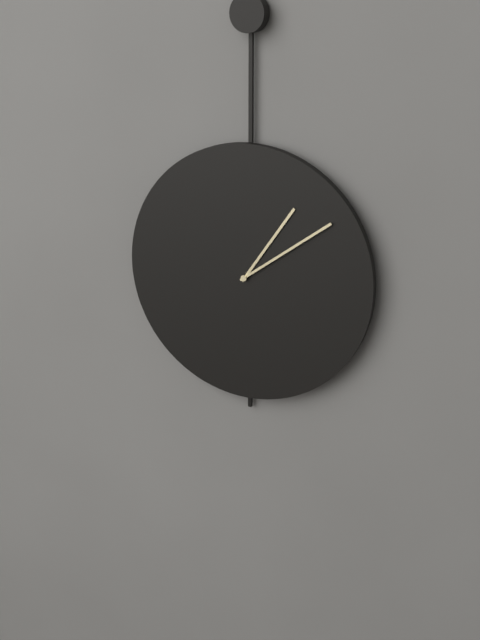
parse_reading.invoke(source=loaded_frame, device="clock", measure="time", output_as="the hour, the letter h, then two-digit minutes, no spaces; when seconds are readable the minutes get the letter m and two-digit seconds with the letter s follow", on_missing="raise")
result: 1h09
